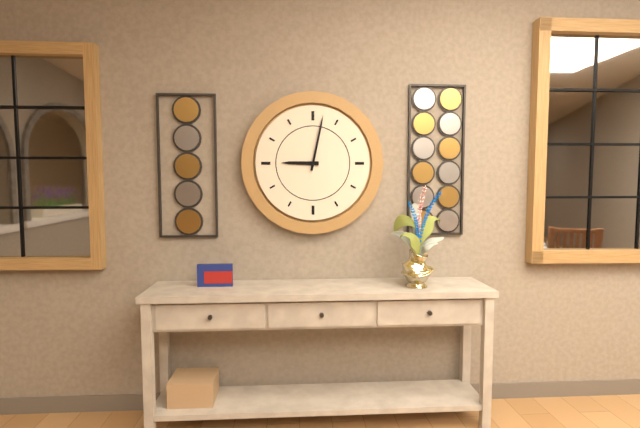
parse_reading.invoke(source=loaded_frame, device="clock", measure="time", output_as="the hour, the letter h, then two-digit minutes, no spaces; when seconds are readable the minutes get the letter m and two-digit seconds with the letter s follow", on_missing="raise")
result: 9h02
